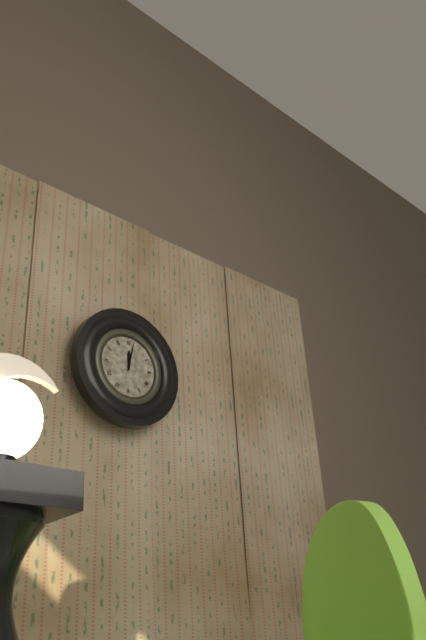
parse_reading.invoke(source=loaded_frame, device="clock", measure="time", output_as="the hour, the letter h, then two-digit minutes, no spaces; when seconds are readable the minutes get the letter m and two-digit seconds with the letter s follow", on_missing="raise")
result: 12h02
